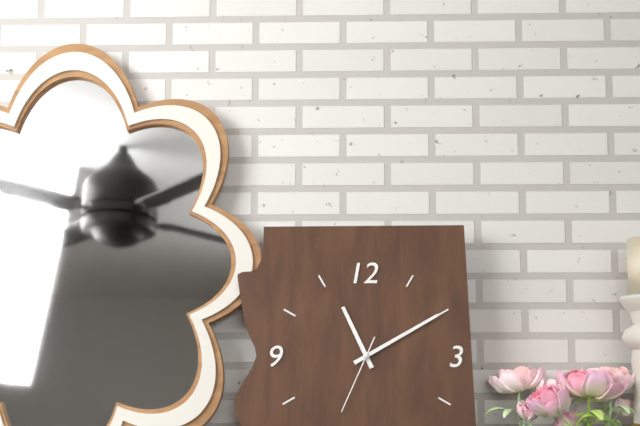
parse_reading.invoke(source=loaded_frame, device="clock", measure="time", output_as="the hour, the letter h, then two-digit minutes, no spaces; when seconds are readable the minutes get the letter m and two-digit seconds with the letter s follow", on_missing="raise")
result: 11h10m34s
